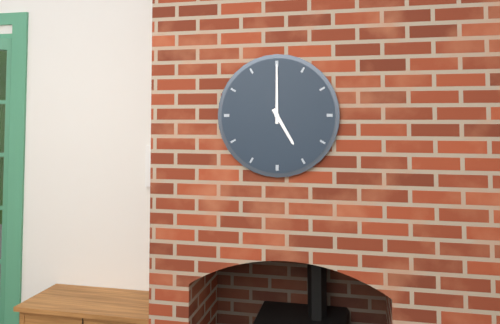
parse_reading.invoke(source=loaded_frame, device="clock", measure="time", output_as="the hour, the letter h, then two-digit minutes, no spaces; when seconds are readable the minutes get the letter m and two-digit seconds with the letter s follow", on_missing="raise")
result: 5h00
